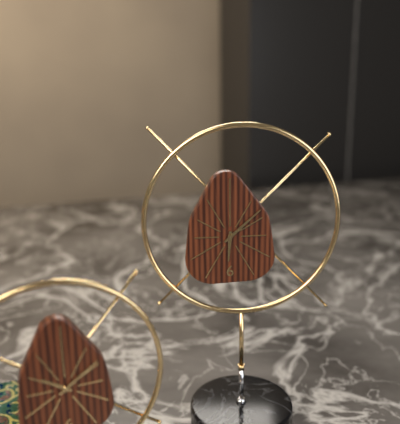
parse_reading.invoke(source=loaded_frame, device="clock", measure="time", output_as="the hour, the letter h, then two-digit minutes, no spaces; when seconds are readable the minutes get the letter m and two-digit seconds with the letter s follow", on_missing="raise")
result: 6h08
